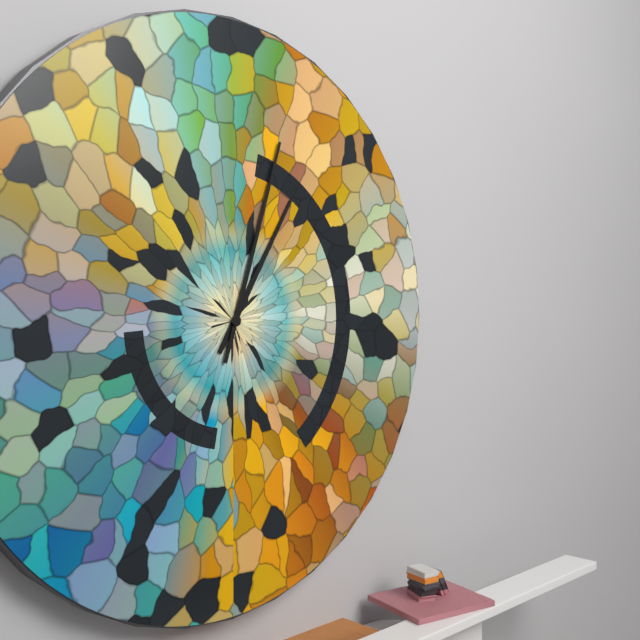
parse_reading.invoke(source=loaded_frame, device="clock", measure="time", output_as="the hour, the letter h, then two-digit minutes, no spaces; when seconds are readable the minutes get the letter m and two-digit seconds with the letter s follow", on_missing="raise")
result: 1h03
